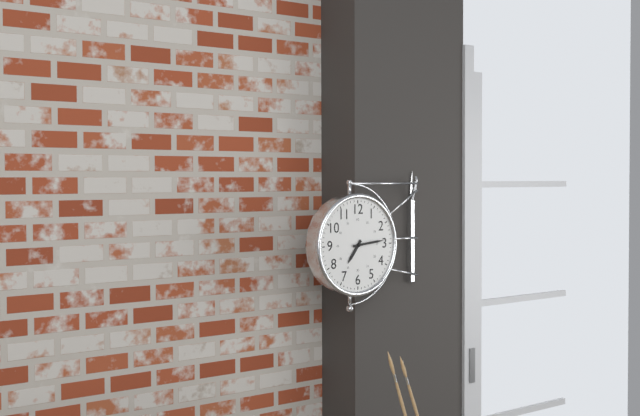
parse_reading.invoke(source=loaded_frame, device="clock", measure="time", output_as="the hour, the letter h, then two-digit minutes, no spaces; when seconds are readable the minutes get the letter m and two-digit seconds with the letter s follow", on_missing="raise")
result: 7h14
